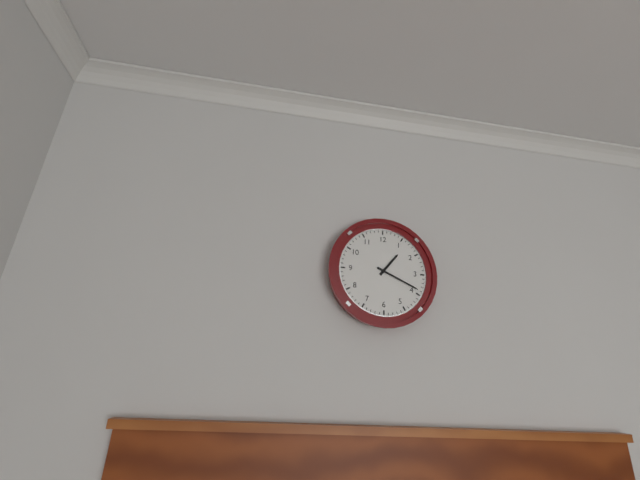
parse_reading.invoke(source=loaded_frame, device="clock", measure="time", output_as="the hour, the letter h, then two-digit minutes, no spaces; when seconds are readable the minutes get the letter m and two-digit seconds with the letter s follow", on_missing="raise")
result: 1h19
